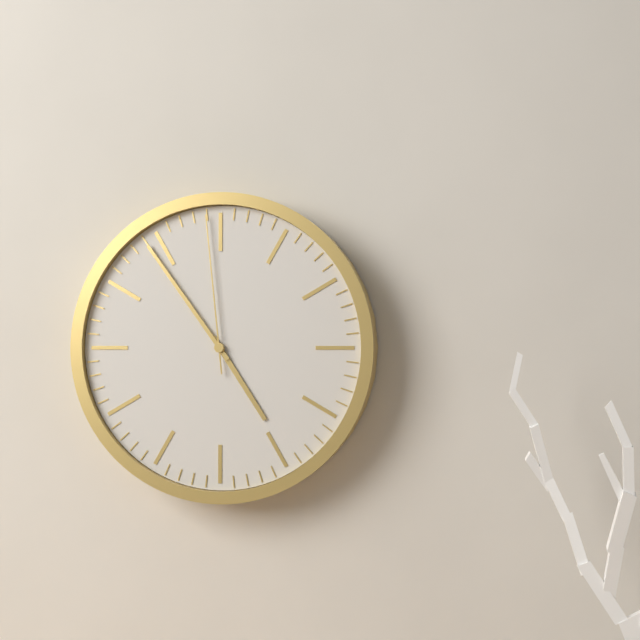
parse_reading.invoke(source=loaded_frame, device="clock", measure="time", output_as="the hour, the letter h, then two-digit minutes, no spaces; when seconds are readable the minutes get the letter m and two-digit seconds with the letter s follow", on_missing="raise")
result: 4h54m59s
